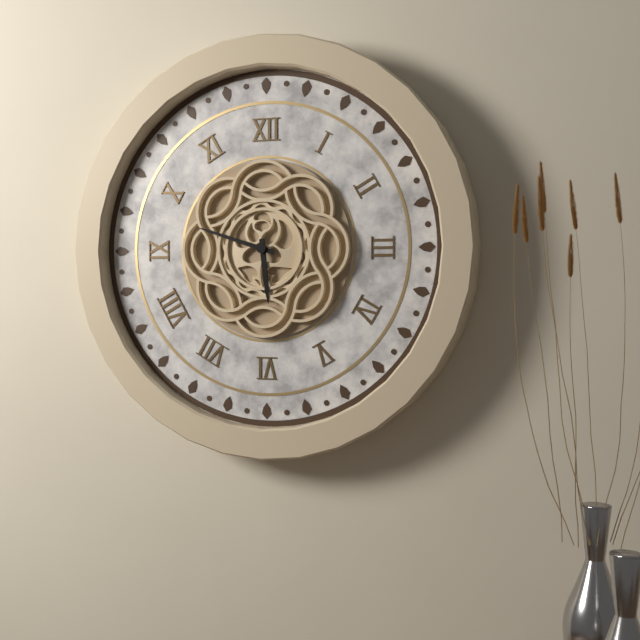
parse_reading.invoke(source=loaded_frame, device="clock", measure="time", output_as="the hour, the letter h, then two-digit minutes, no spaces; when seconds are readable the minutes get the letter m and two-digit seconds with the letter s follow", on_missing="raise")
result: 5h48
